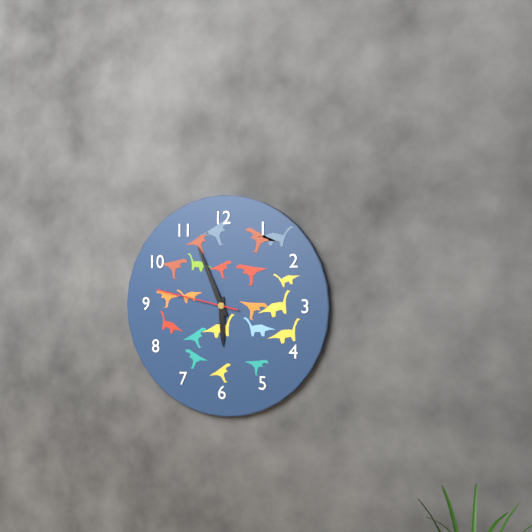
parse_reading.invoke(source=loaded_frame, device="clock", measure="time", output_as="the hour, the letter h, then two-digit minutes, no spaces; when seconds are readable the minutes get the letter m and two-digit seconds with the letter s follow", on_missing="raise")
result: 5h56m47s
